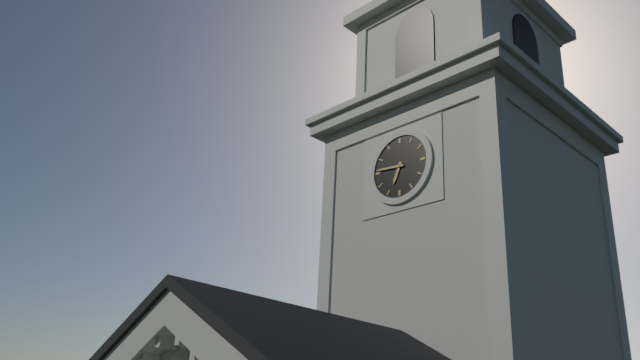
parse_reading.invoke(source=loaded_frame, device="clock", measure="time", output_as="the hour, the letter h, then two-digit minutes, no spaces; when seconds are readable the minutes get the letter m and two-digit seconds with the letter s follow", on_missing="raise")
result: 6h46
